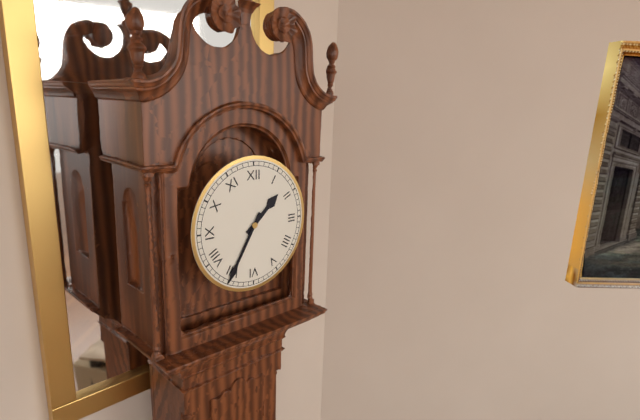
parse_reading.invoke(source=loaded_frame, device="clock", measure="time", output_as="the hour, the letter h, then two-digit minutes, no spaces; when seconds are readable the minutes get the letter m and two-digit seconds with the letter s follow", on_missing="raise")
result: 1h35
